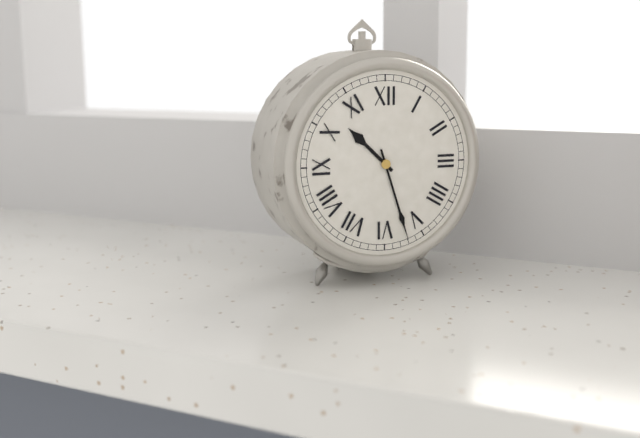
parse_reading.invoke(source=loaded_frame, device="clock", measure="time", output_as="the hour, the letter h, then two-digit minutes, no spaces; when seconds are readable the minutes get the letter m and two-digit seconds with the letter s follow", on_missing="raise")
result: 10h27
